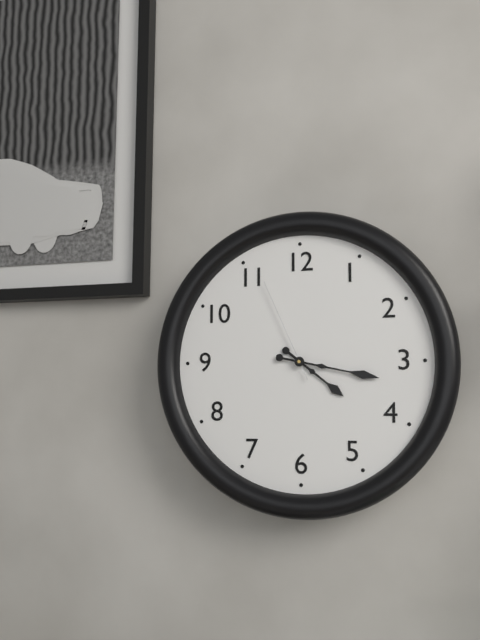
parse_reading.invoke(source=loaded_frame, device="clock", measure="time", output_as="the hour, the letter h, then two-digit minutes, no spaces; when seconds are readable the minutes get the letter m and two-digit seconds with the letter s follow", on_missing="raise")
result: 4h17m56s
